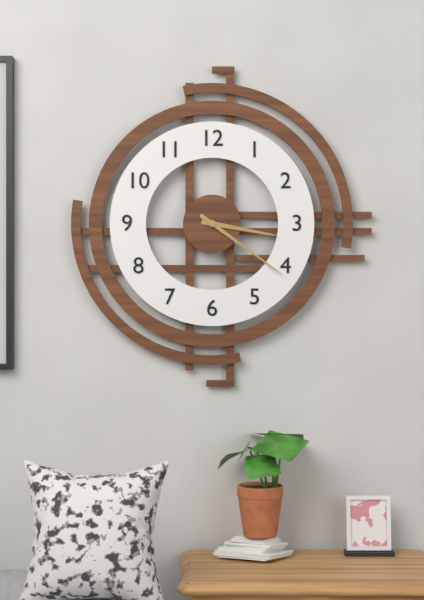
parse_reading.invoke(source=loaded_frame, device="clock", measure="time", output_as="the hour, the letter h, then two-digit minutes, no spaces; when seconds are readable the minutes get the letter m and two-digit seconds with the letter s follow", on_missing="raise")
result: 3h21
